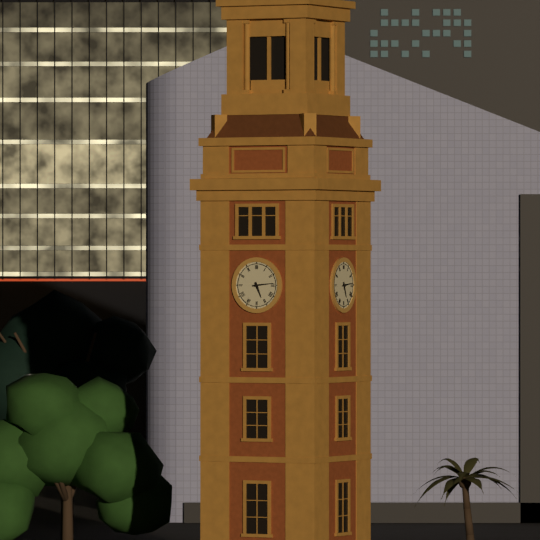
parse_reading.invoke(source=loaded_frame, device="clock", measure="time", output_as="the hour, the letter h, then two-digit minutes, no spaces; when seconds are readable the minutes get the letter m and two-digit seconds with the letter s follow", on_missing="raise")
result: 5h14
